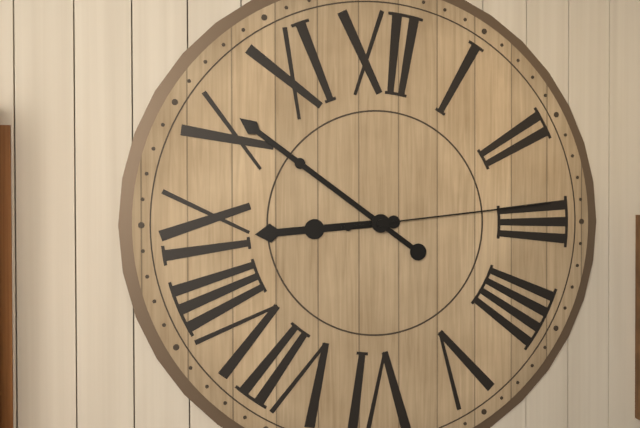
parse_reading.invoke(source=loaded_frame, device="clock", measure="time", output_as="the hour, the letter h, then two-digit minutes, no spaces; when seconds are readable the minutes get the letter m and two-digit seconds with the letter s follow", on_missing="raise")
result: 8h51m14s
